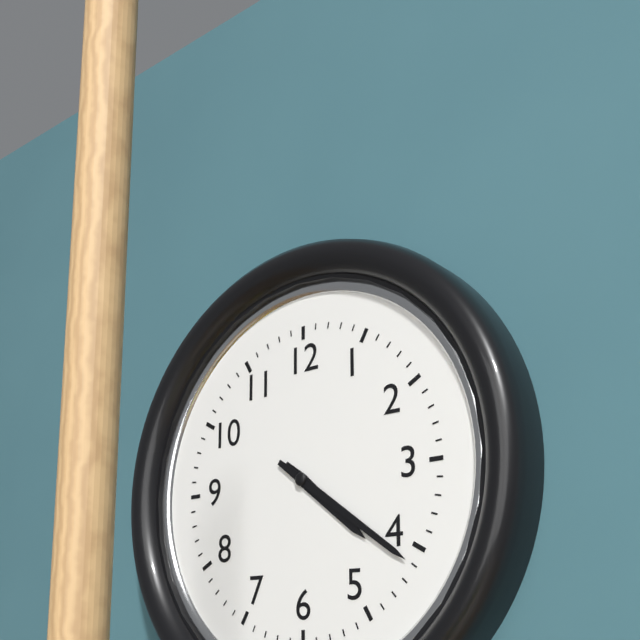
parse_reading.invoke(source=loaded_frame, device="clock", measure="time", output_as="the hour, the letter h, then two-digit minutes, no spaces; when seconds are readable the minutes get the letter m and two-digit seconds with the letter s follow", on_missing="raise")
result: 4h21
